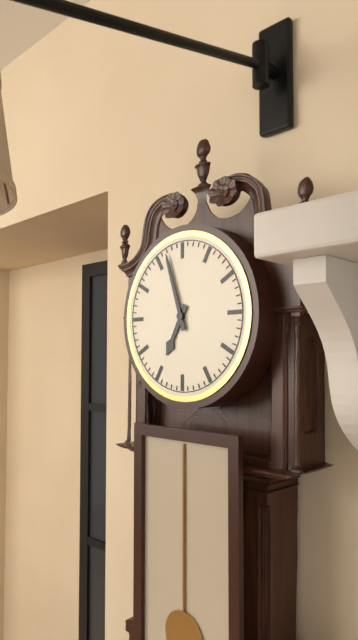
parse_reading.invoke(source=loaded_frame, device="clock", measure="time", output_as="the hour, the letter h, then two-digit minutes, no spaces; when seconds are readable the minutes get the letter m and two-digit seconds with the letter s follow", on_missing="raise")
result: 6h57
